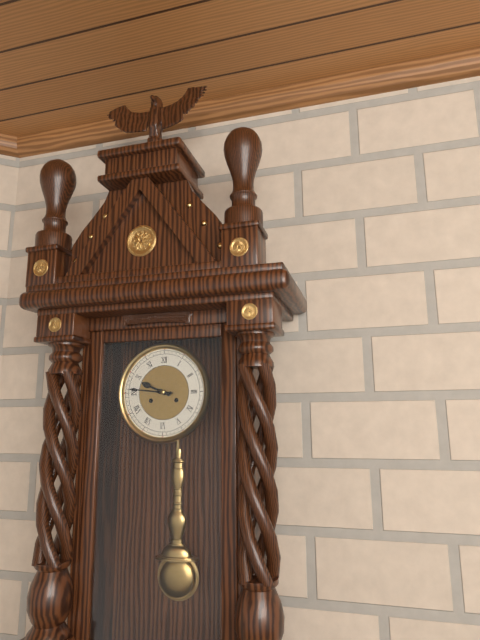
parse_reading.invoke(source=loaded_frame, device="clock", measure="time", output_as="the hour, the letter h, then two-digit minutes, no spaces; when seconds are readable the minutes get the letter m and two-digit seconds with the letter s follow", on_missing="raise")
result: 9h46
